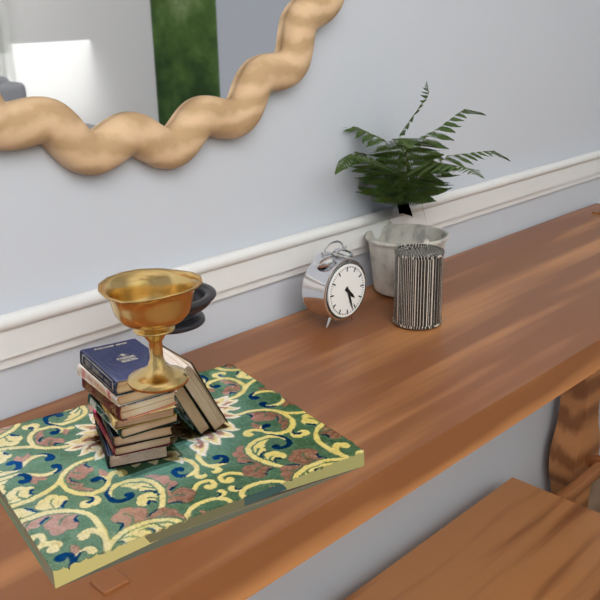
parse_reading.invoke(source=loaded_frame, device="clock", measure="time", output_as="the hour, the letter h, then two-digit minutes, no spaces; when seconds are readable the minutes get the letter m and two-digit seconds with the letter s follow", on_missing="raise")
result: 4h27
